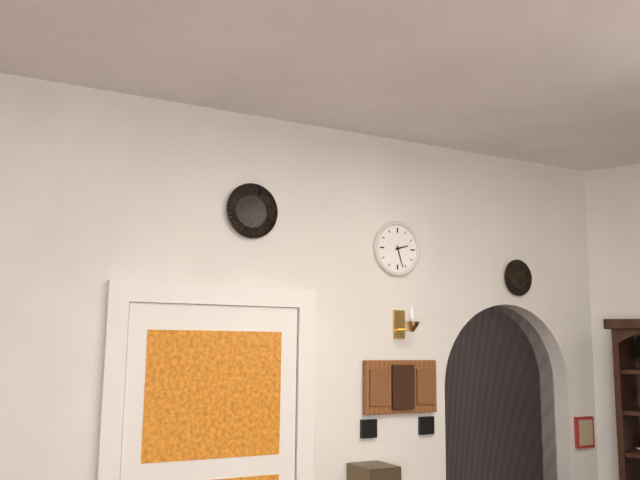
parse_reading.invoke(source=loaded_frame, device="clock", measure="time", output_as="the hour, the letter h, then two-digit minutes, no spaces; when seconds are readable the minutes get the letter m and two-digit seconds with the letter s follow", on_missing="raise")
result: 2h27
